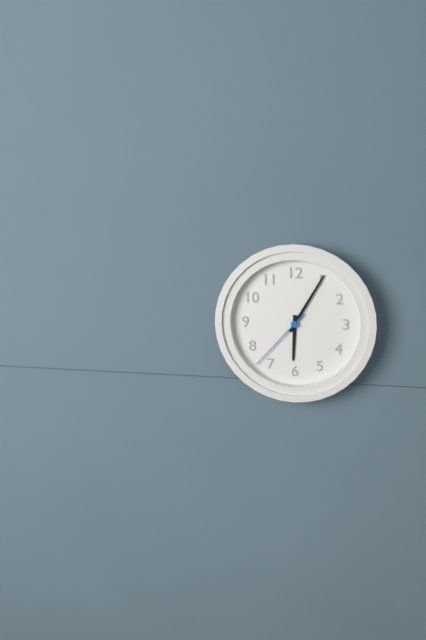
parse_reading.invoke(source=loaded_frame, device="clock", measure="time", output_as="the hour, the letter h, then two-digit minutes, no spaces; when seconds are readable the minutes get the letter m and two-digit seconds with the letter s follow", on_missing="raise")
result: 6h05m37s
